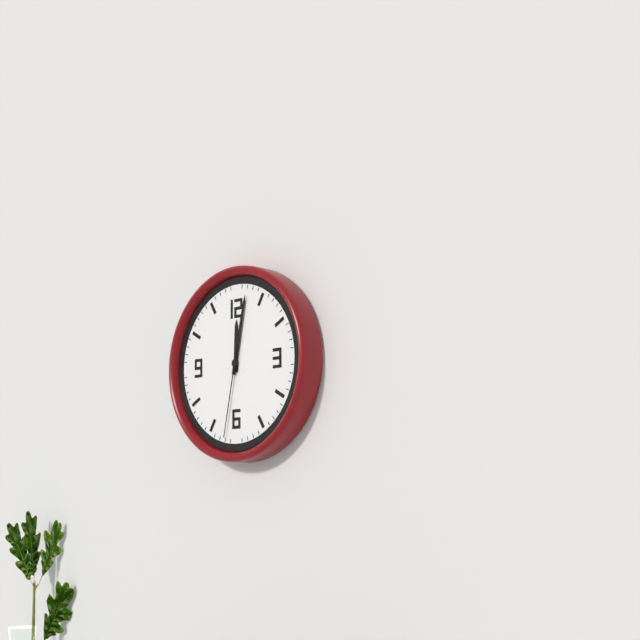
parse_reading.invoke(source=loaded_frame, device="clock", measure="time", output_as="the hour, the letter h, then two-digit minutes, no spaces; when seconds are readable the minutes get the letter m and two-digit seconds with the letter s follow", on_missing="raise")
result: 12h02m32s
